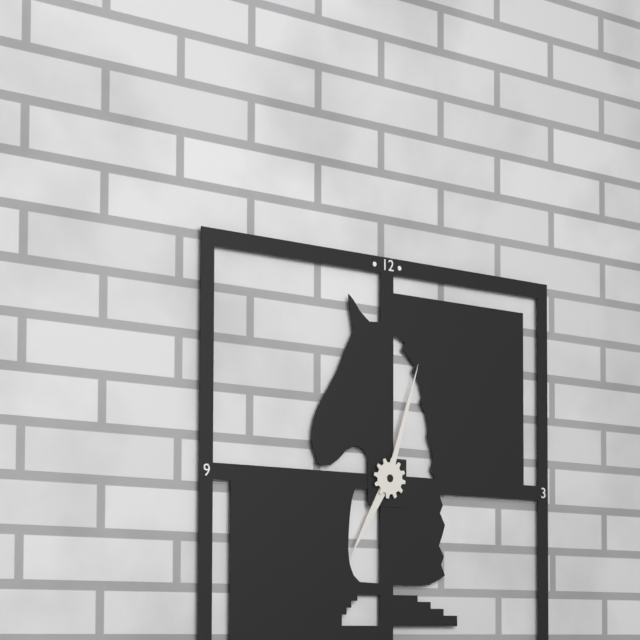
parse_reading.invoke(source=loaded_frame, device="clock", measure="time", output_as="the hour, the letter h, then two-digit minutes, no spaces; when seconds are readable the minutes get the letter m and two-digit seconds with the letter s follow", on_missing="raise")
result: 7h03
